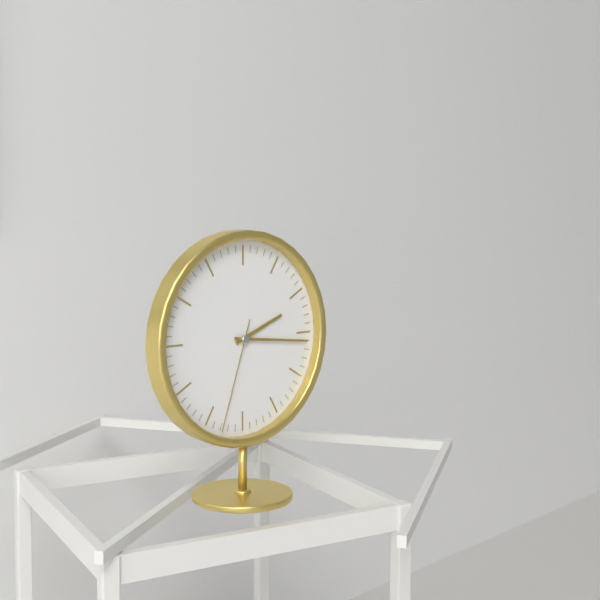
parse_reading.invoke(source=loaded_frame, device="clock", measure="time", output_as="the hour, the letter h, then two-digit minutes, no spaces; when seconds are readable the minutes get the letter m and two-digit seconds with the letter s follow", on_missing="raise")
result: 2h16m33s
